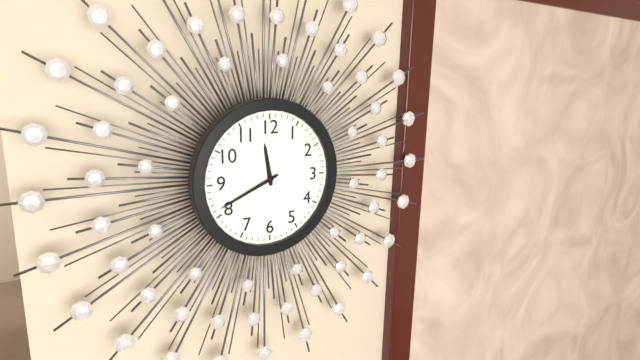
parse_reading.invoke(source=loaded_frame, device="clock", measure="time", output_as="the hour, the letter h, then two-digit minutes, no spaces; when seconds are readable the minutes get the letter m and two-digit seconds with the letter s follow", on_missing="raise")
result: 11h41
